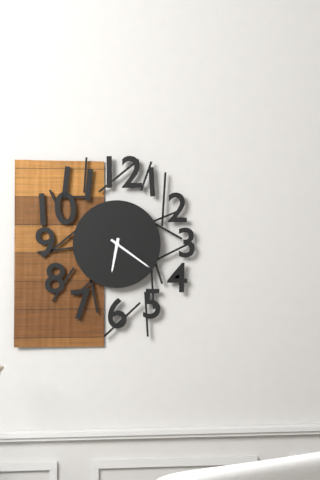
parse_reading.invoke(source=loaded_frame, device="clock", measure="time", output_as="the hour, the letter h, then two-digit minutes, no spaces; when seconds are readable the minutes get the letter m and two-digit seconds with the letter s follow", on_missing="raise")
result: 6h21
